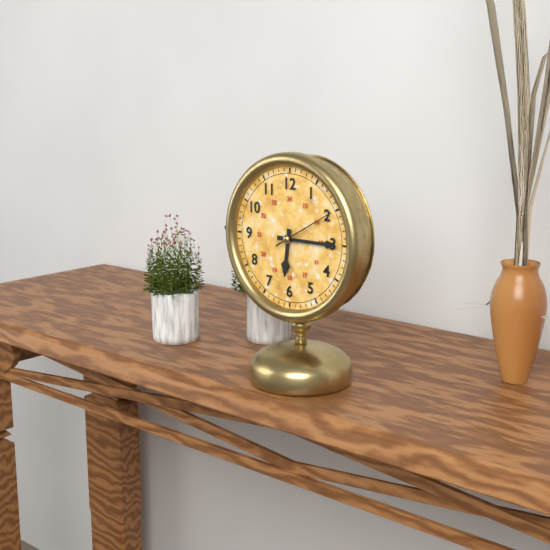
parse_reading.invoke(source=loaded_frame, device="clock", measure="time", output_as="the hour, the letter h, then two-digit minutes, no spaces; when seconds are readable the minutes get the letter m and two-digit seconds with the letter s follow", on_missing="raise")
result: 6h15m10s
